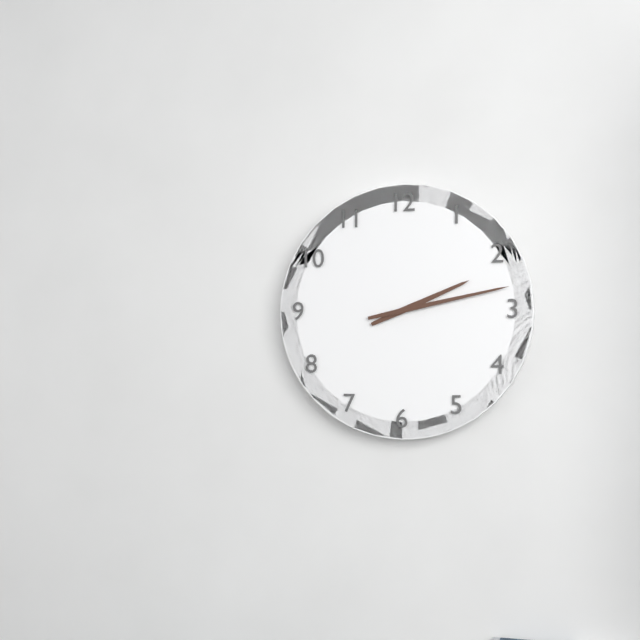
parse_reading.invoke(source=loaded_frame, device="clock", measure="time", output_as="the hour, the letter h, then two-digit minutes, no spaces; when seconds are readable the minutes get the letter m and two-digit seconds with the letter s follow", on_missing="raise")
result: 2h13
